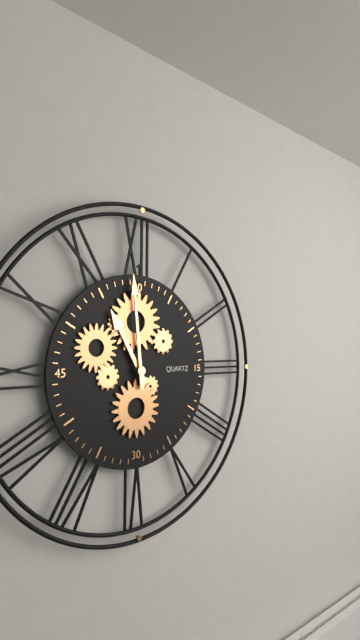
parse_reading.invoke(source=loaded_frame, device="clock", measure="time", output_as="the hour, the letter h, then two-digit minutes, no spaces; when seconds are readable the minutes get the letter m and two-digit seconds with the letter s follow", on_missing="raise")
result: 10h59
